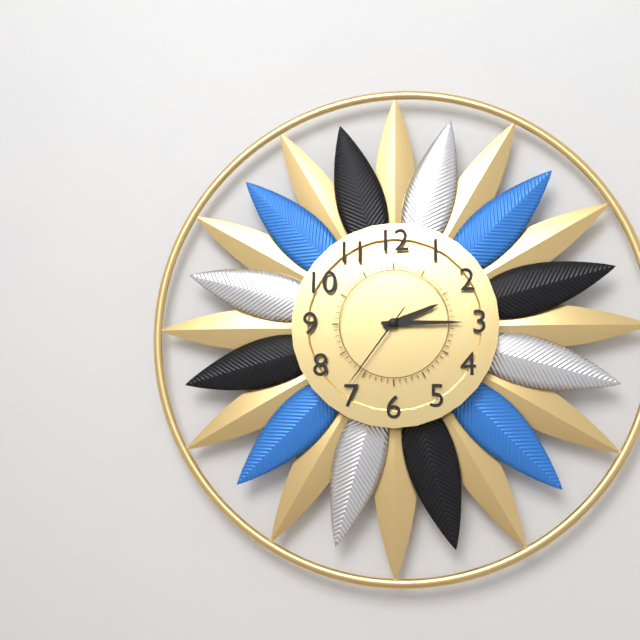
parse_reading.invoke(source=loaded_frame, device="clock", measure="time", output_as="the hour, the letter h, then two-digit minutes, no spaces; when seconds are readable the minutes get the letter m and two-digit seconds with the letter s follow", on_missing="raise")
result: 2h15m36s
